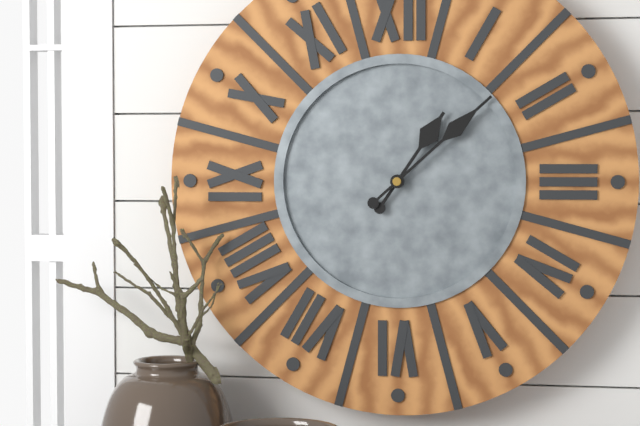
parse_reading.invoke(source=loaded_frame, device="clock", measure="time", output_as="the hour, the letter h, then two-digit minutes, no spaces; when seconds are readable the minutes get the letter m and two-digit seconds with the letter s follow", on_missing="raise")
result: 1h08
